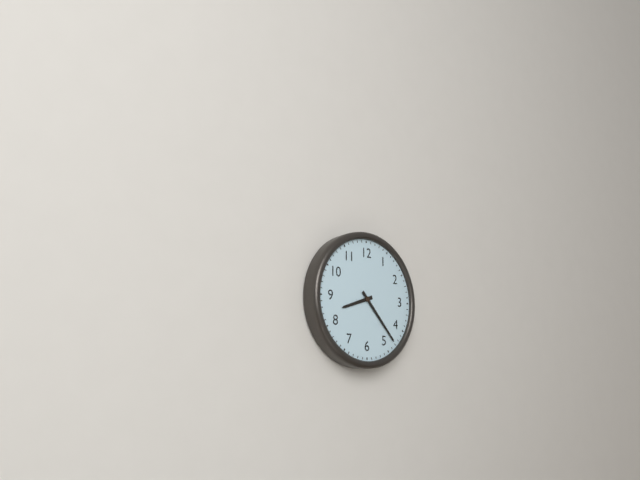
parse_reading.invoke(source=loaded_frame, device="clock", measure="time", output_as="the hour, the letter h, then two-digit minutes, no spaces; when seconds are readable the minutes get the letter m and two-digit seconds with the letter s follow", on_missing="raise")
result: 8h23
